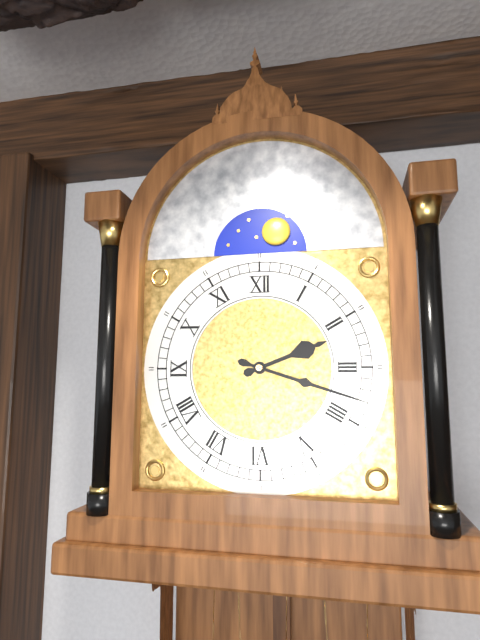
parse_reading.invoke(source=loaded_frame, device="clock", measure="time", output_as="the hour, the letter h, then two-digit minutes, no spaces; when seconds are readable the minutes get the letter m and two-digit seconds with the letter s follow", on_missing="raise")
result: 2h18
